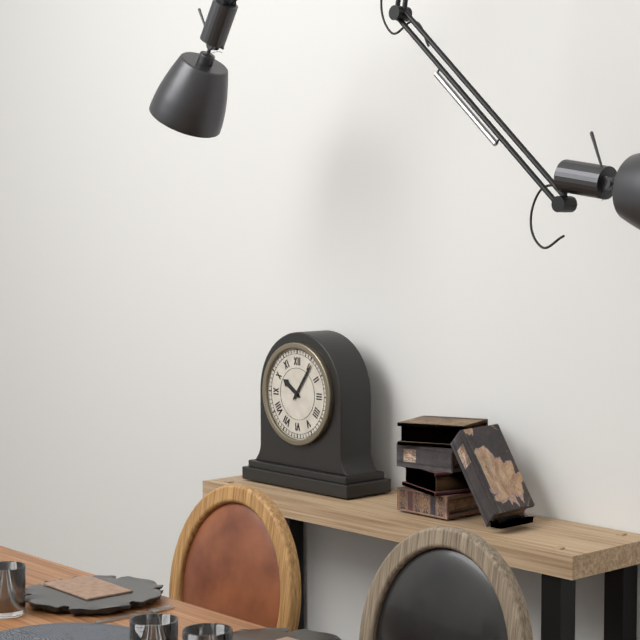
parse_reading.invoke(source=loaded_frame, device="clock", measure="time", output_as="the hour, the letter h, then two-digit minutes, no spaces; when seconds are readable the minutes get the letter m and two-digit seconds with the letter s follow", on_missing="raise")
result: 10h06
